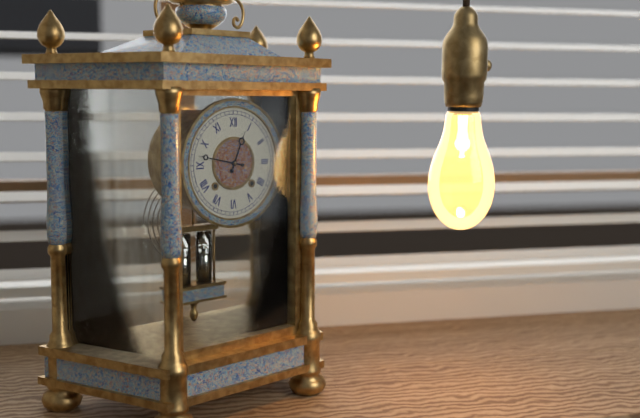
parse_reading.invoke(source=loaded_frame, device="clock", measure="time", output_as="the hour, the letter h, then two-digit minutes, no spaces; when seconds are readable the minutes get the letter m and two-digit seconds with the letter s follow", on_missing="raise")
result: 12h47
